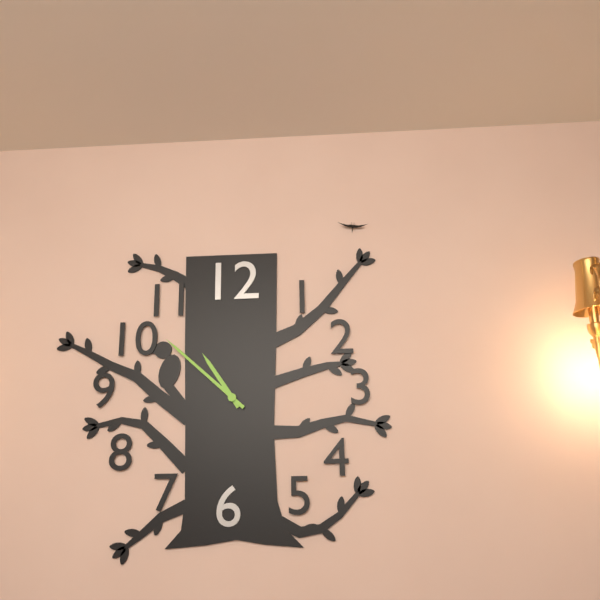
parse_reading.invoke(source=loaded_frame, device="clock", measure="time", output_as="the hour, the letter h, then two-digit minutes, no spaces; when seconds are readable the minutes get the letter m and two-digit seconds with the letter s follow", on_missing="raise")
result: 10h52
